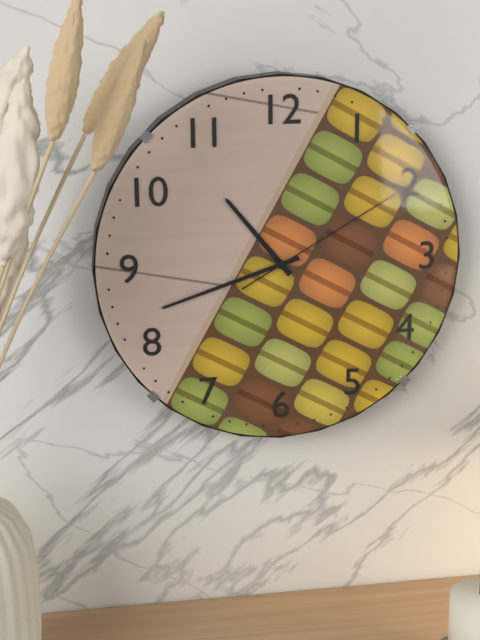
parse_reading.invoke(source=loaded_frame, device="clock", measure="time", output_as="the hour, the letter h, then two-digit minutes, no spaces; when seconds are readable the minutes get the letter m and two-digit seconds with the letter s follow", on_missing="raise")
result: 10h42m10s
